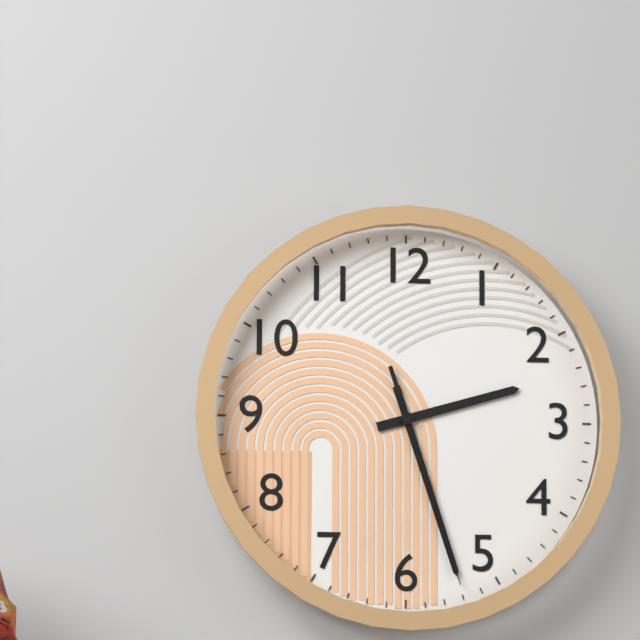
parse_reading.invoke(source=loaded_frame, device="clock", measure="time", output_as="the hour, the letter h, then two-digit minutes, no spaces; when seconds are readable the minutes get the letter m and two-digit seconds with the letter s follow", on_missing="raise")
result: 2h27m27s
